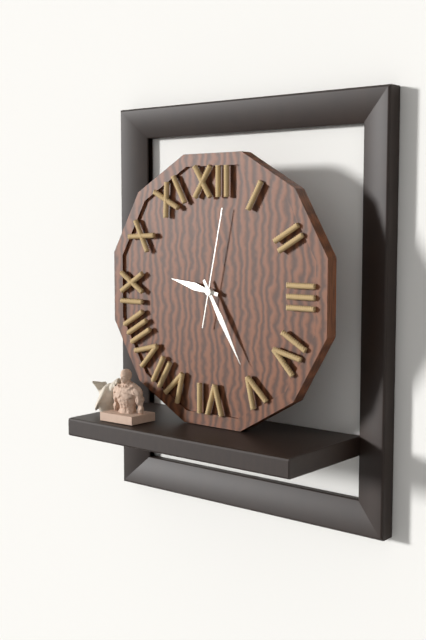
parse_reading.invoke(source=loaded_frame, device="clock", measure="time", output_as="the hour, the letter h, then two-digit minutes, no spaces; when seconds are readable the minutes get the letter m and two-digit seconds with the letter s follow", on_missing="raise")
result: 9h25m02s
